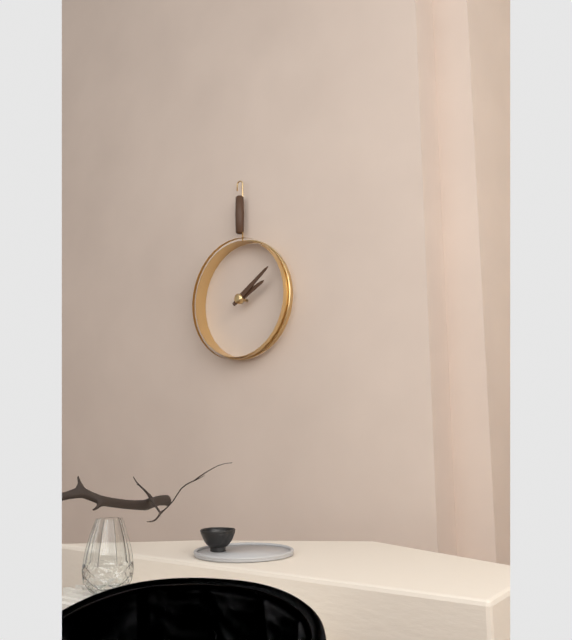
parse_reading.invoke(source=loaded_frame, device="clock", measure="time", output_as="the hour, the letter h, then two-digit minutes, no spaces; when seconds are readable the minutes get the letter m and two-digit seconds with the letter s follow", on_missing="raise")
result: 2h09
